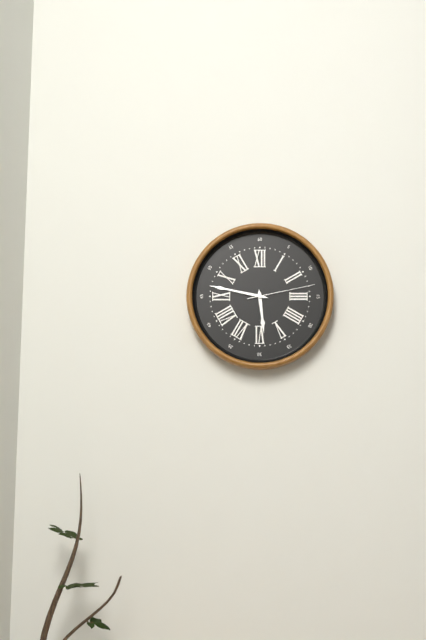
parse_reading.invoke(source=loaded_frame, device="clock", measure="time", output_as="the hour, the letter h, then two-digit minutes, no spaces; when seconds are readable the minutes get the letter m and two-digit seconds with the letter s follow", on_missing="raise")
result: 5h47m13s
